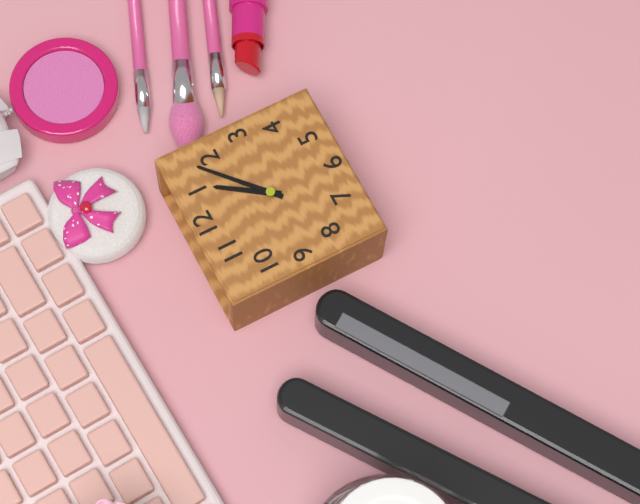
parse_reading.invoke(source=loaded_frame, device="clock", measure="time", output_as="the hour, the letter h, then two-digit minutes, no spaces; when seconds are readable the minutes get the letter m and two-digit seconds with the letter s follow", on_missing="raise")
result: 1h08
